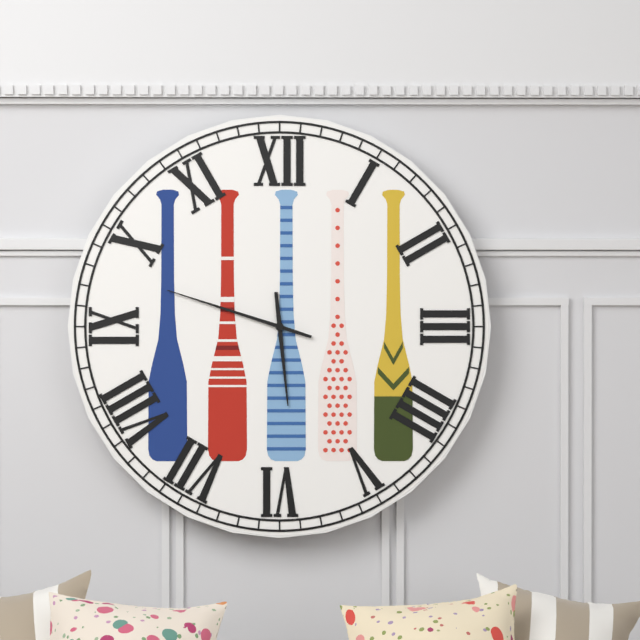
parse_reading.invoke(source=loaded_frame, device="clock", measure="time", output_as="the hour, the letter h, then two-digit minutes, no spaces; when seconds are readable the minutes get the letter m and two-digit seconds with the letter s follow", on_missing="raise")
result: 5h48
